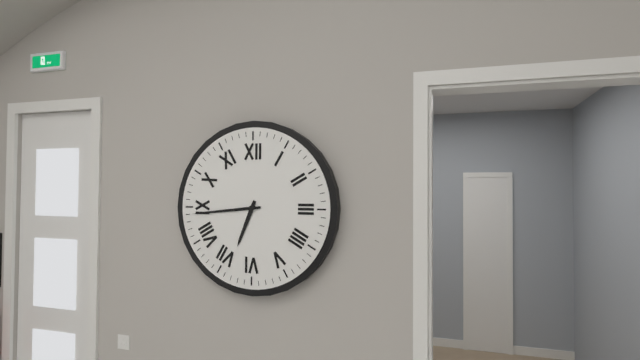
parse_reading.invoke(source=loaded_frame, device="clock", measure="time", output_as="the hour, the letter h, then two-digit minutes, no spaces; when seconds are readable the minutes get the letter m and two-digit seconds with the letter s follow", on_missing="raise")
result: 6h44
